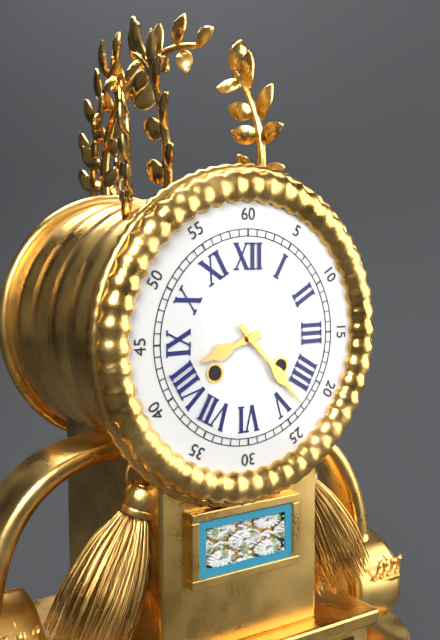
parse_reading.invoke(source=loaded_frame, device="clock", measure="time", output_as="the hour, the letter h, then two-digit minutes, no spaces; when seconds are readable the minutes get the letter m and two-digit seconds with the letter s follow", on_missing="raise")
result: 8h23
